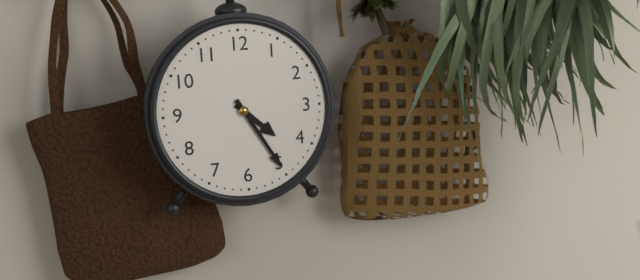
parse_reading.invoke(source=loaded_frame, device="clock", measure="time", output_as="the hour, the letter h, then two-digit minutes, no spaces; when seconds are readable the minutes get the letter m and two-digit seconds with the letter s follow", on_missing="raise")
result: 4h25
